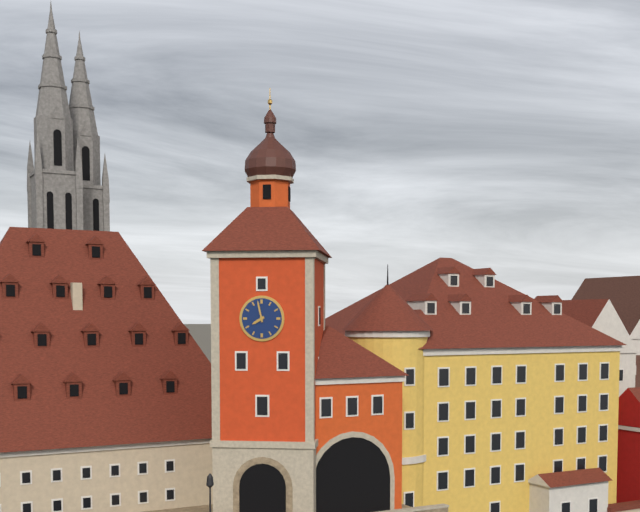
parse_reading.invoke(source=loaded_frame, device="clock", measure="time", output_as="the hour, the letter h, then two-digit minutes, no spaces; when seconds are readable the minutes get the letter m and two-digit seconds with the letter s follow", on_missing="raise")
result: 7h58
